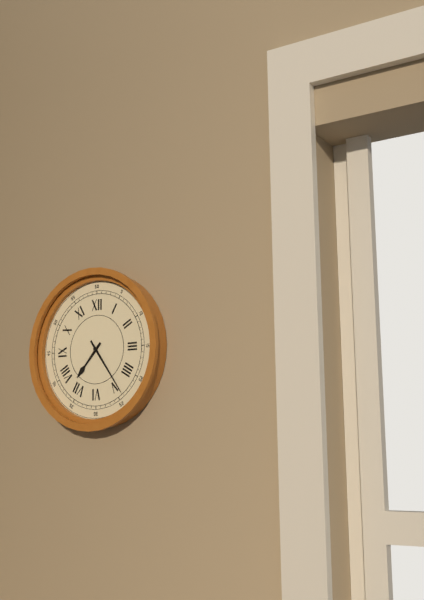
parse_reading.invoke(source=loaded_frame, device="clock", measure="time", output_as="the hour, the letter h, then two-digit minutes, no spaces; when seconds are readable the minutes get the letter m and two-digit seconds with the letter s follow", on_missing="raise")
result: 7h24
